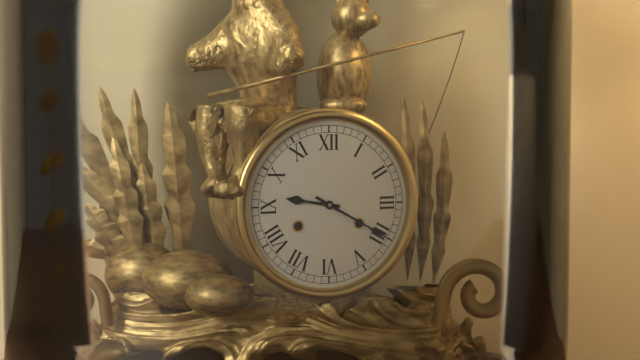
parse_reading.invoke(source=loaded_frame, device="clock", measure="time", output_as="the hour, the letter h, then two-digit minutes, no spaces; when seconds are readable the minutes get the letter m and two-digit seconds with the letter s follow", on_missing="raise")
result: 9h20
